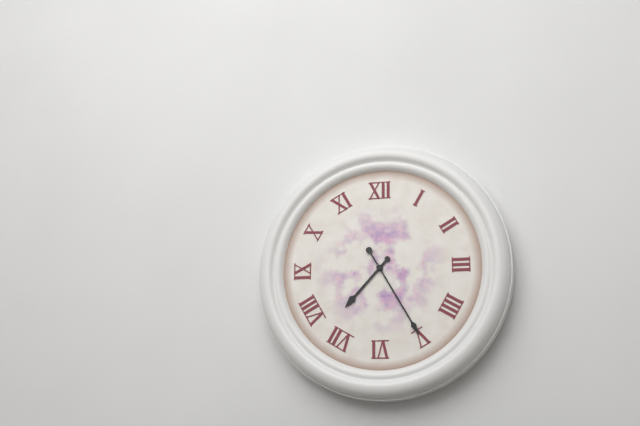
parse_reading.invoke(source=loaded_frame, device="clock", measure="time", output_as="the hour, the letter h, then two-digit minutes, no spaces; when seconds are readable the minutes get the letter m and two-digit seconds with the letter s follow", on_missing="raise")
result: 7h25
